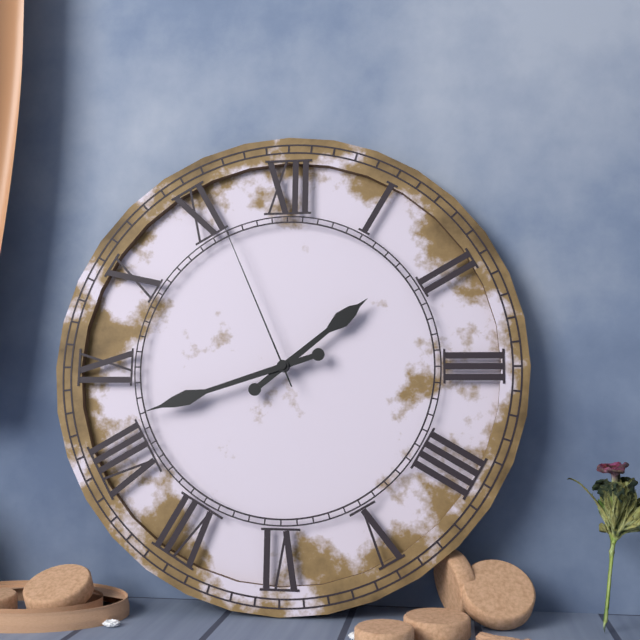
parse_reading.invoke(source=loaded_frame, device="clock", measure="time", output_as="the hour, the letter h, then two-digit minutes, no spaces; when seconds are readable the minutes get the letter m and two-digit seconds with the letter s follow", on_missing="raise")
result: 1h42m56s
